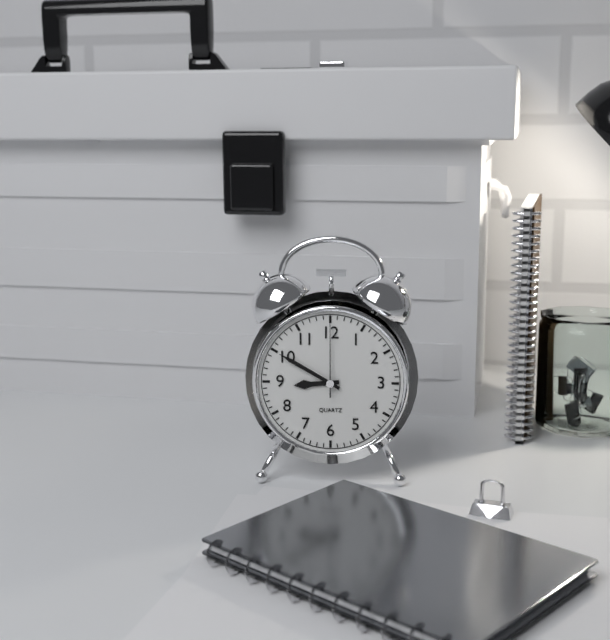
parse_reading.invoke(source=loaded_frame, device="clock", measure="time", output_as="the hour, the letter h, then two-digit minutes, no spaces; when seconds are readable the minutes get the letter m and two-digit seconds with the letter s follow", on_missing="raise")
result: 8h50m00s
